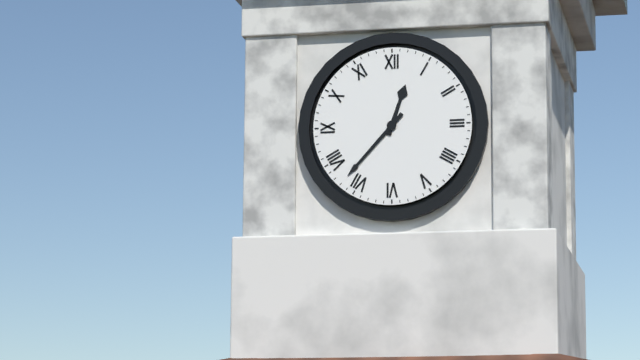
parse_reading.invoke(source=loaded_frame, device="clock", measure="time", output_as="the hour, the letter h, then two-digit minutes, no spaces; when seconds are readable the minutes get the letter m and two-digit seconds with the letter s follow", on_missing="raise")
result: 12h37
